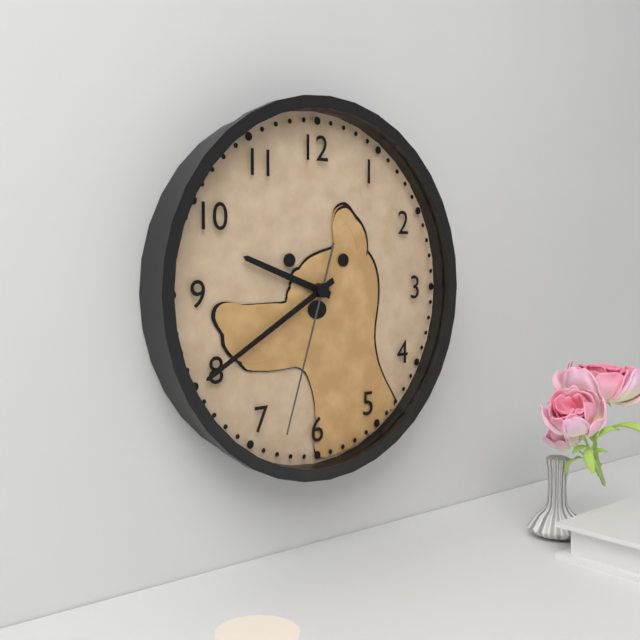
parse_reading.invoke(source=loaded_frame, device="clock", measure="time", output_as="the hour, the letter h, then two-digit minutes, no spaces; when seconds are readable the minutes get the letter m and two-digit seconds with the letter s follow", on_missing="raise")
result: 9h40m33s
